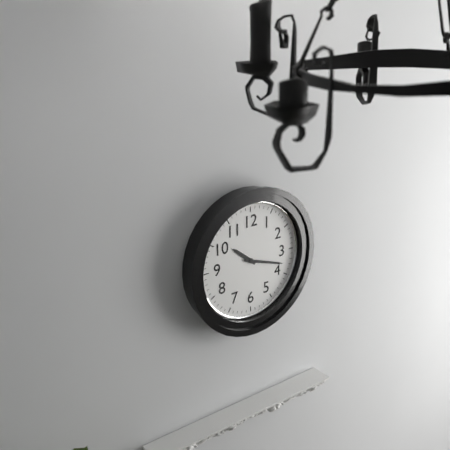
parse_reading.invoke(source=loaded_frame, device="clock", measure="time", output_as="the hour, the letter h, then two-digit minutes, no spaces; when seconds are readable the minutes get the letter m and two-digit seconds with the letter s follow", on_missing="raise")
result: 10h18
